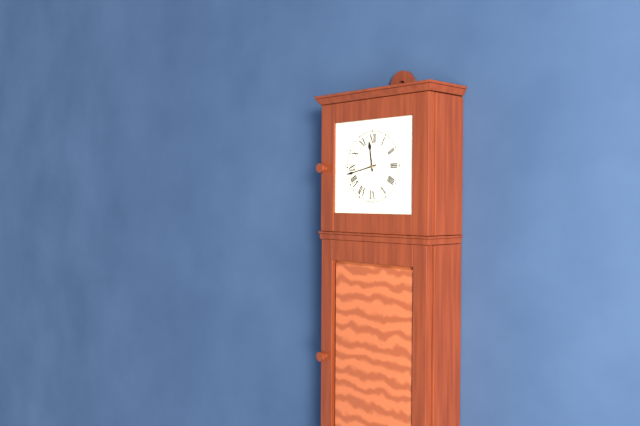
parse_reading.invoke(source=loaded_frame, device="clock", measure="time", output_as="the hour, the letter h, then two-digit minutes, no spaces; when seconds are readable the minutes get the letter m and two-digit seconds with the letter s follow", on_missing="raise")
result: 11h43
